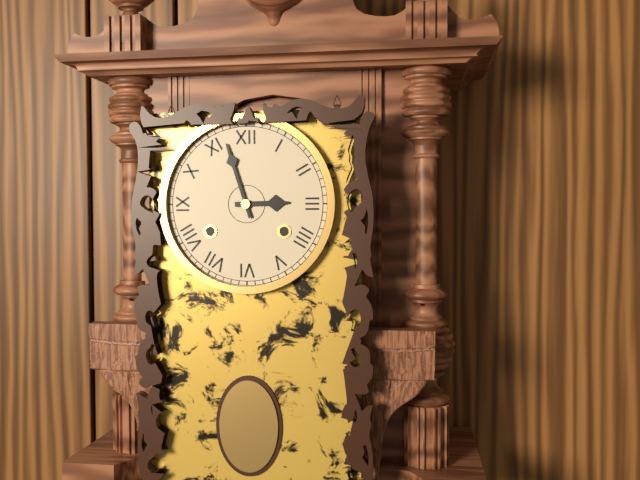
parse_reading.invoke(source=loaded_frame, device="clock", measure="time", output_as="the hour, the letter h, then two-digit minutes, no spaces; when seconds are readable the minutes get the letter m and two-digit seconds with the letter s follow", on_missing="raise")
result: 2h57
